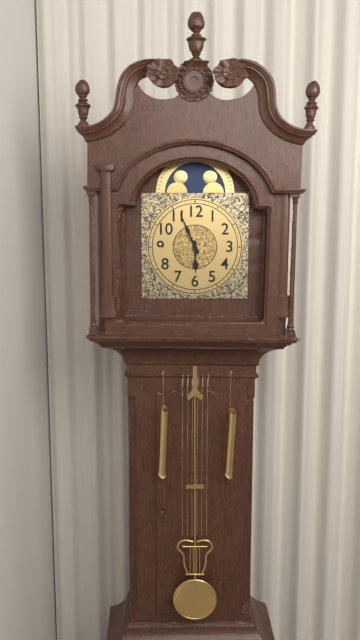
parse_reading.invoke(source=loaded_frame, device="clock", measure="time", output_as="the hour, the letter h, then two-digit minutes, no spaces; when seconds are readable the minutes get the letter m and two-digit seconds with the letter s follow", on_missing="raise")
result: 5h56
